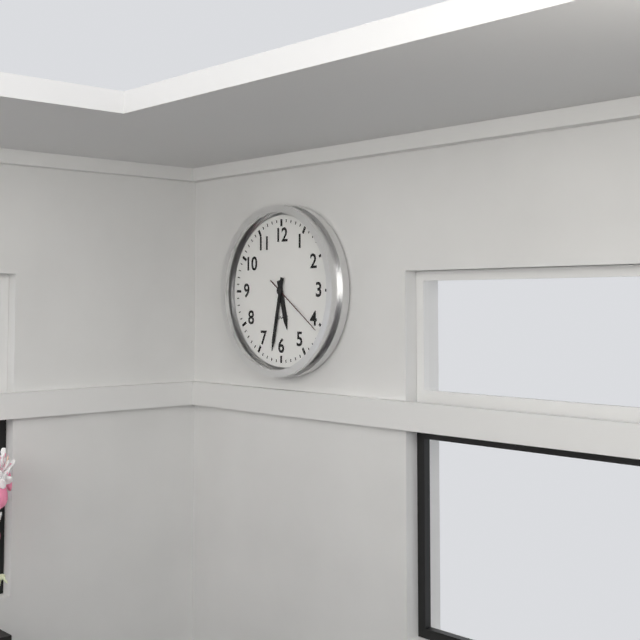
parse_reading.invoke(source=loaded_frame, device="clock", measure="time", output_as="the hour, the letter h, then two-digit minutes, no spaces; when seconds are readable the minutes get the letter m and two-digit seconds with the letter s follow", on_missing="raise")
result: 5h32m21s
